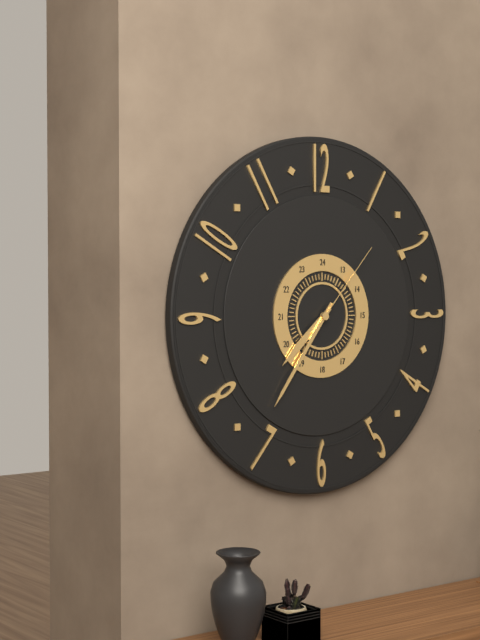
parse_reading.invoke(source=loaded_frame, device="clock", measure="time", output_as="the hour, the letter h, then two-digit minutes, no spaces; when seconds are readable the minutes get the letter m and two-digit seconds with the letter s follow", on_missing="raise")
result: 7h36m07s
